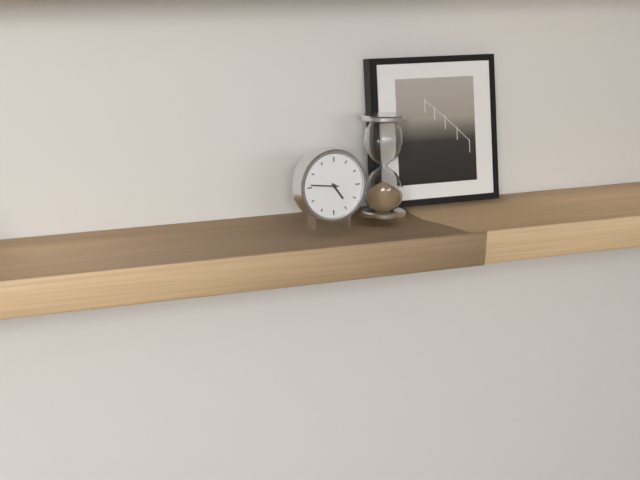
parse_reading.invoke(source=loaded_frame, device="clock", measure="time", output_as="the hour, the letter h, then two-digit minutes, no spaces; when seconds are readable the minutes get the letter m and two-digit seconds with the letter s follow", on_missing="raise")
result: 4h46
